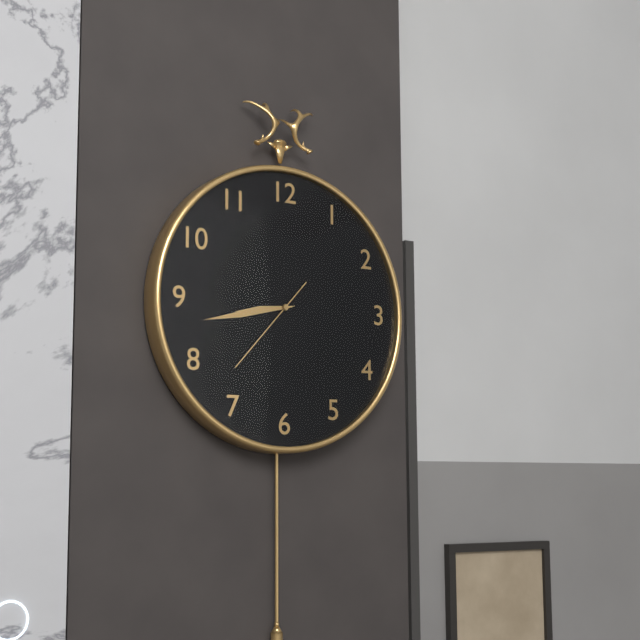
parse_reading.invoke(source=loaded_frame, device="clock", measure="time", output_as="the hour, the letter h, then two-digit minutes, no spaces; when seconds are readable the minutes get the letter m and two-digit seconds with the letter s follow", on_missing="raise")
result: 8h43m37s
